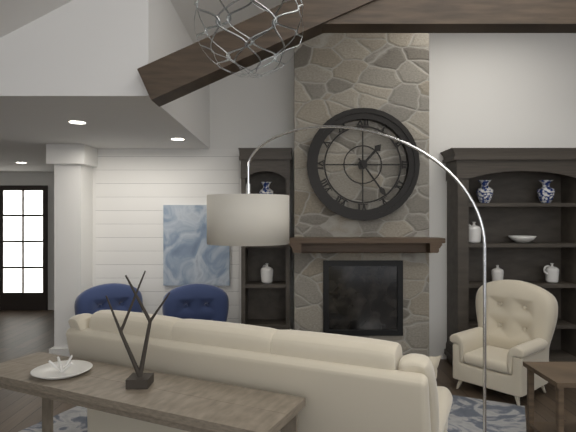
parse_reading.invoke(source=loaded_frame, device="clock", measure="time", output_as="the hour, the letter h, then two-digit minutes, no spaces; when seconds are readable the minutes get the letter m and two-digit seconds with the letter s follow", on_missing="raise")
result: 1h24
